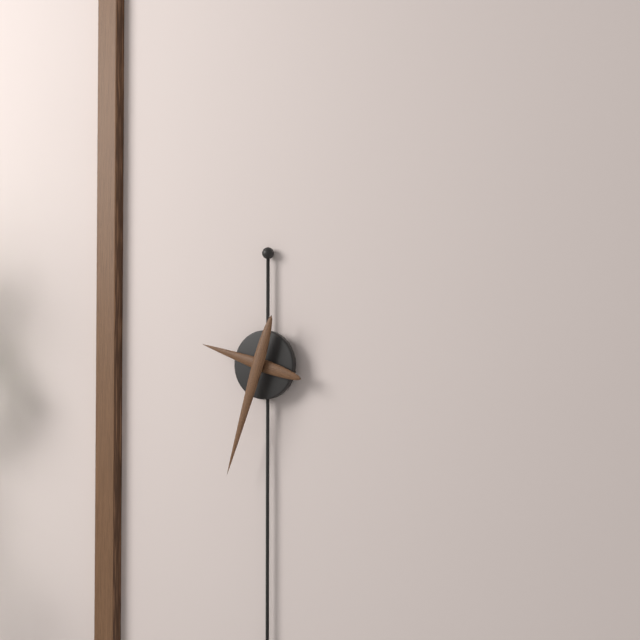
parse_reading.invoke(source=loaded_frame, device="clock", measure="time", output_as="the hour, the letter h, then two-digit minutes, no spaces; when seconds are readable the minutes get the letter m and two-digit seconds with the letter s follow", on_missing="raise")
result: 9h33
